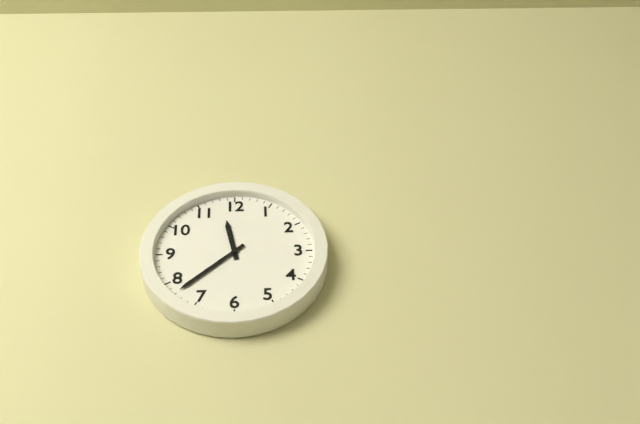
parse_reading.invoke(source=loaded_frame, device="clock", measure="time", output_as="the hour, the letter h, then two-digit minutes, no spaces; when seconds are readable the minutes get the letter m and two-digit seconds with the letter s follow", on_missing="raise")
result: 11h38
